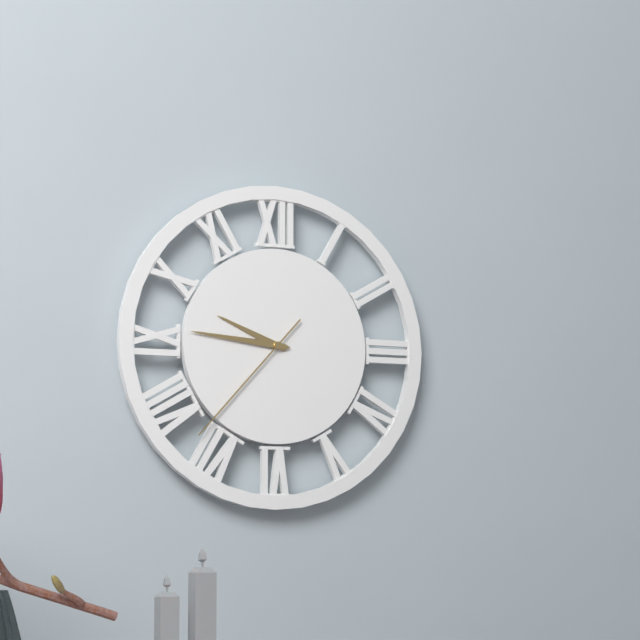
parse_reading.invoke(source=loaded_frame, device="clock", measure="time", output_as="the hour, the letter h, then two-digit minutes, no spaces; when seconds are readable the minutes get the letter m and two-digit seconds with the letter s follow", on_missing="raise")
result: 9h46m37s
